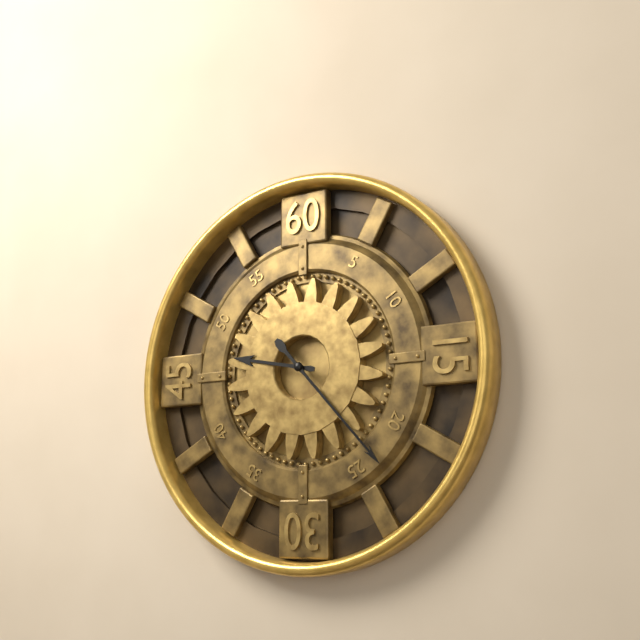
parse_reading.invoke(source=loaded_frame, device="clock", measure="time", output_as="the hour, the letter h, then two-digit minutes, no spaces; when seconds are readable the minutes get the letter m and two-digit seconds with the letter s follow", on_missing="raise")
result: 9h23
